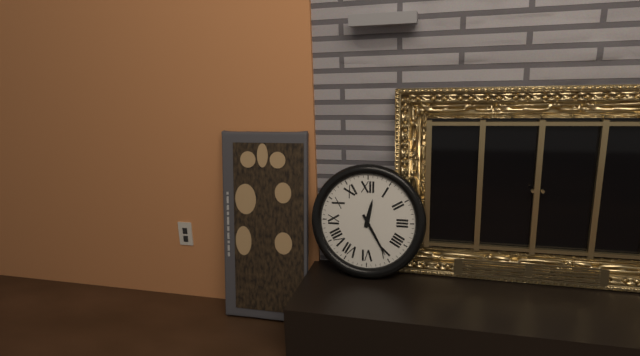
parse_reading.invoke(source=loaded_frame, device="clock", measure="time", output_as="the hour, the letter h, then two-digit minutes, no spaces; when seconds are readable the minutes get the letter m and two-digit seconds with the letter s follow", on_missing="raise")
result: 12h25
